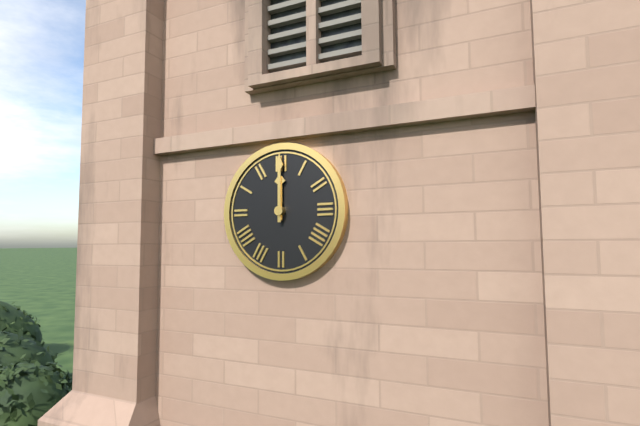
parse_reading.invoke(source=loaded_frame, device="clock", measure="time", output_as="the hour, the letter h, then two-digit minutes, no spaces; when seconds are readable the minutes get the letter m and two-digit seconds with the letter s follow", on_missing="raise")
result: 12h00
